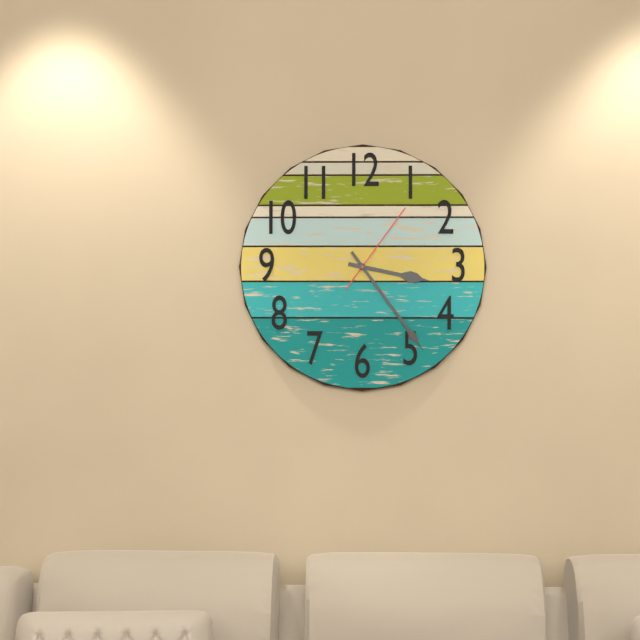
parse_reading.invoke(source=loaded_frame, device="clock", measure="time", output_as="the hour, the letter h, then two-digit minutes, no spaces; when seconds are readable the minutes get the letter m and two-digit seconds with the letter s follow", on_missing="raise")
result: 3h24m06s
